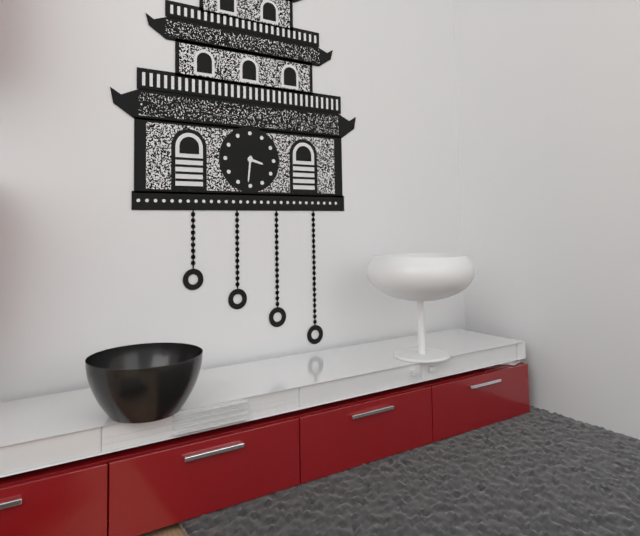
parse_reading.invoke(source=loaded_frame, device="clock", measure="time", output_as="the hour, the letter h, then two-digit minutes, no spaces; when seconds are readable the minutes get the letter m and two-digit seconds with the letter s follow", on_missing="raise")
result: 3h31
